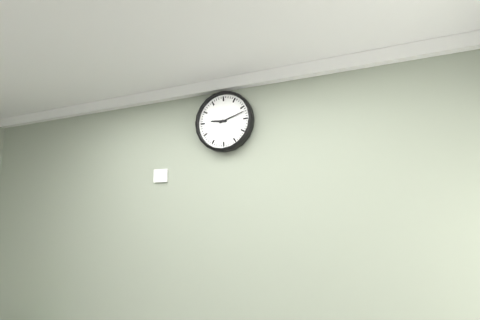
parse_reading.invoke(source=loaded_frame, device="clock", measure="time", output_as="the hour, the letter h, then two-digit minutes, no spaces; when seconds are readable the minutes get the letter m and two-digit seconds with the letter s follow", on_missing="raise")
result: 9h12
